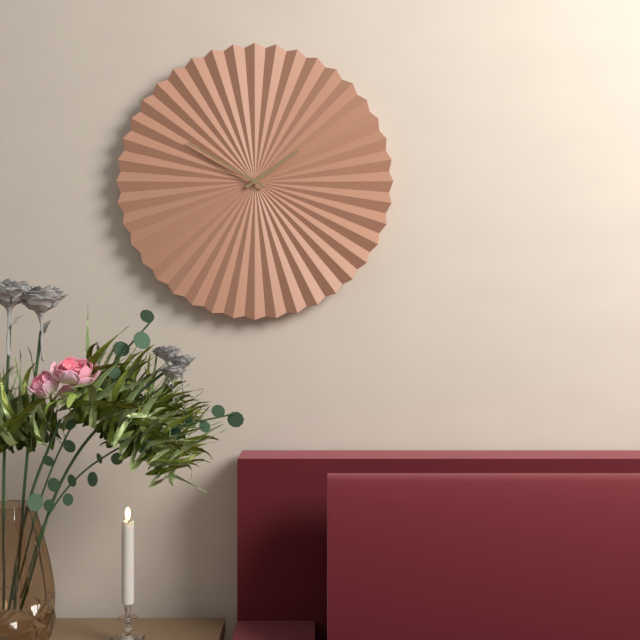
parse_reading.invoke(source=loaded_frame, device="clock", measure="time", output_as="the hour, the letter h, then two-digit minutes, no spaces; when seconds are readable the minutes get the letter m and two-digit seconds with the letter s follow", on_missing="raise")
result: 1h50
